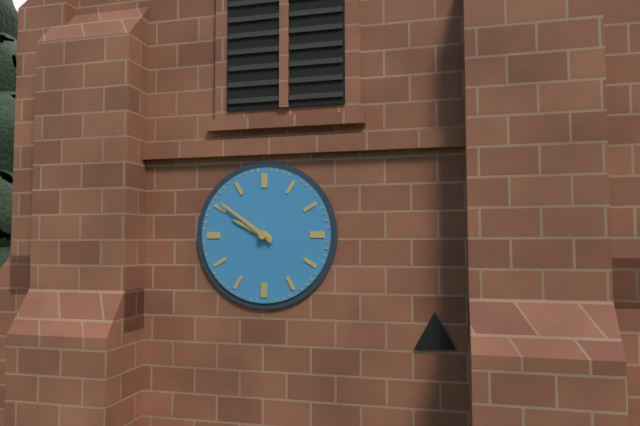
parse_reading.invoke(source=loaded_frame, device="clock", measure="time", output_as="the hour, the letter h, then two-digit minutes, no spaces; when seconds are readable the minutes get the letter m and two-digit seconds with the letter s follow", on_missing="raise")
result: 9h51
